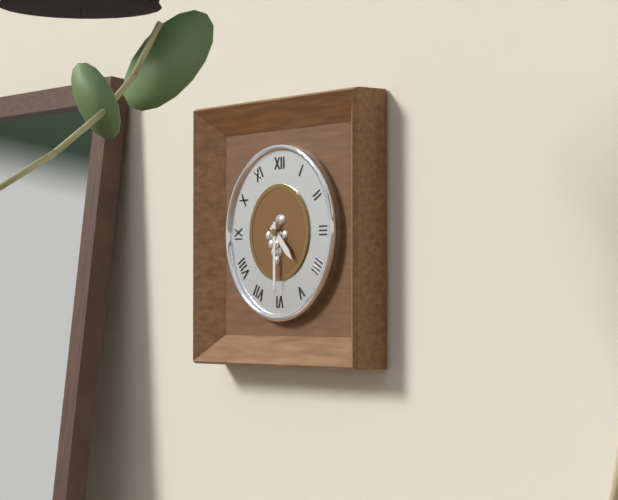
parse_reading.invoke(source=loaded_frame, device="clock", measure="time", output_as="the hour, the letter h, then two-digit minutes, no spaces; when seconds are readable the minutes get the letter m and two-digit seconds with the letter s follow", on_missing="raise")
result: 4h30
